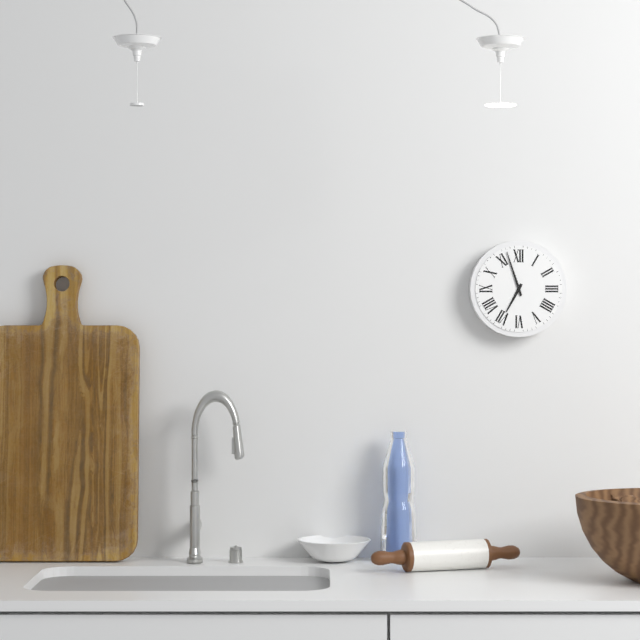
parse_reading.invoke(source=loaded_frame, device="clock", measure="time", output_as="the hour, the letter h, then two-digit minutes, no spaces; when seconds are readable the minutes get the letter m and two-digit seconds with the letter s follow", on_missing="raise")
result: 6h57
